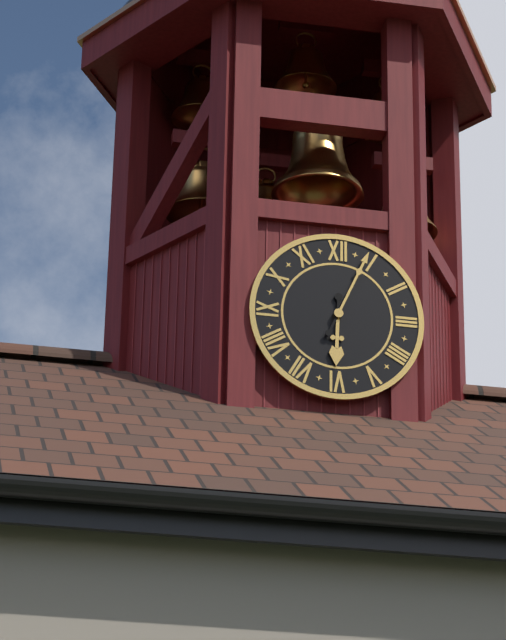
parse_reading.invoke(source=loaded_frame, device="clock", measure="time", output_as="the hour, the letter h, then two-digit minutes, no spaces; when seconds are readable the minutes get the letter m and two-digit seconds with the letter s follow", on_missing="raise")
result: 6h04
